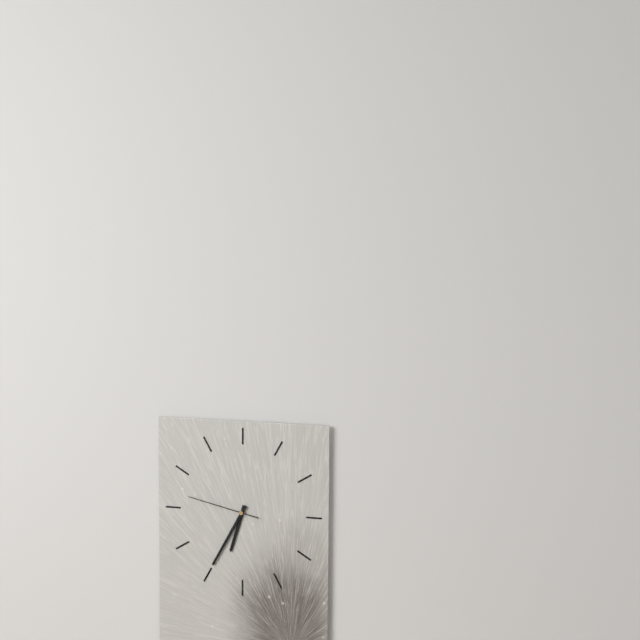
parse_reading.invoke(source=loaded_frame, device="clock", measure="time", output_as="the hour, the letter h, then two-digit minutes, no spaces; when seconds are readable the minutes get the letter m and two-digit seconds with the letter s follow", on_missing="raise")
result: 6h35m47s
